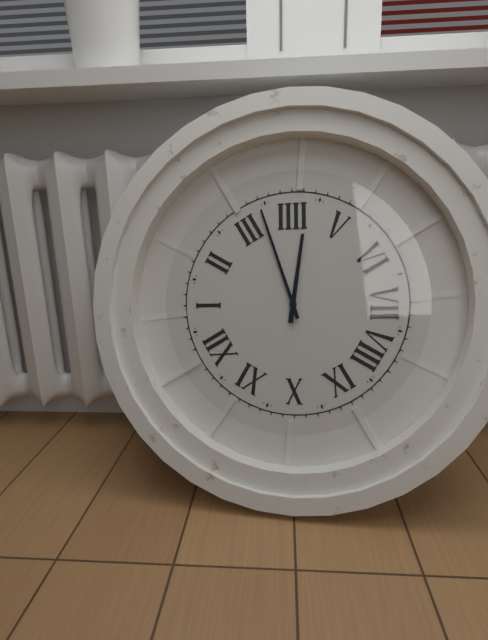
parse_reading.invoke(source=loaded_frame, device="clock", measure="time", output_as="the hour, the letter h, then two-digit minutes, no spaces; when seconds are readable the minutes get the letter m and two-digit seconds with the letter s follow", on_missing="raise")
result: 4h17
